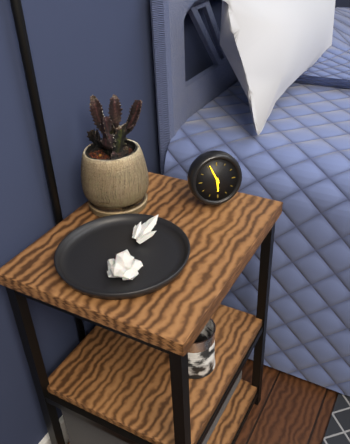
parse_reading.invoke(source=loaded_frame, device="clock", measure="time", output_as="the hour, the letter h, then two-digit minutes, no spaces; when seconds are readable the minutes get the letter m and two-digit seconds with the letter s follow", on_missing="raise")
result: 5h56
